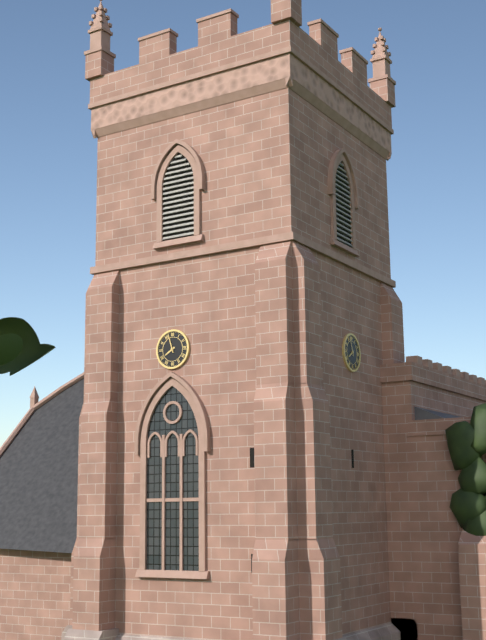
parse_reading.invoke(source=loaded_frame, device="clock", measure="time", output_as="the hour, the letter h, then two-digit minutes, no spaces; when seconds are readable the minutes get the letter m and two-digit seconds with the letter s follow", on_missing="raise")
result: 7h57
